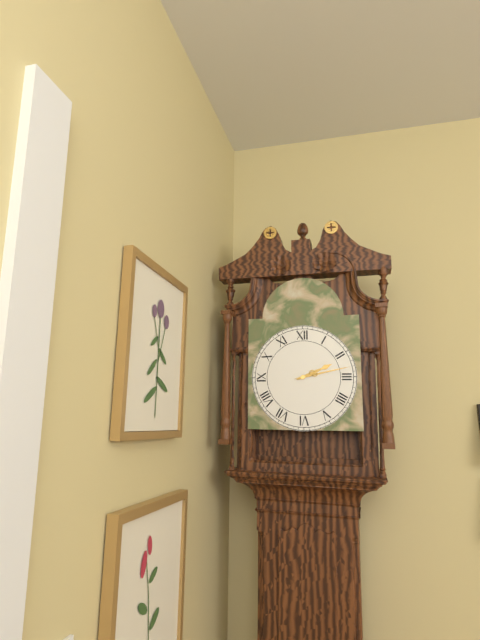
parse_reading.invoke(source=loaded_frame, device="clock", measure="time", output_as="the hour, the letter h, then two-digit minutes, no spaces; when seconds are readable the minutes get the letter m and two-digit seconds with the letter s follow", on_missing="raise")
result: 2h13
